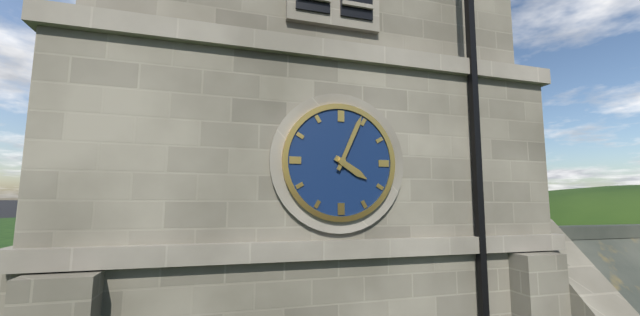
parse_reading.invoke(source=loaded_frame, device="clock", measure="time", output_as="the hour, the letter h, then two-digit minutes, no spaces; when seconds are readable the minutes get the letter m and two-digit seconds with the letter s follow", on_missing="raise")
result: 4h04
